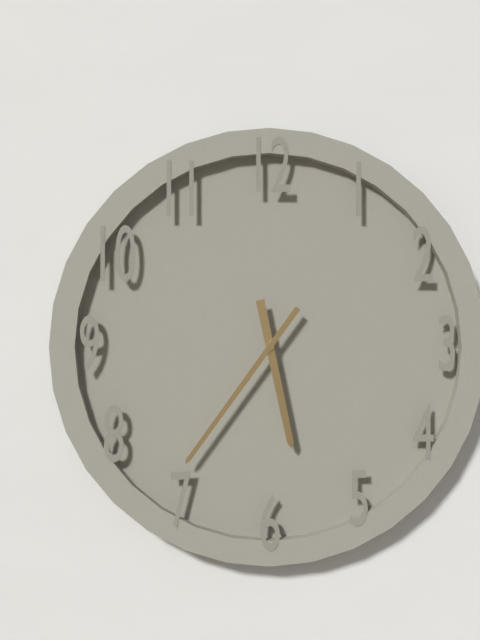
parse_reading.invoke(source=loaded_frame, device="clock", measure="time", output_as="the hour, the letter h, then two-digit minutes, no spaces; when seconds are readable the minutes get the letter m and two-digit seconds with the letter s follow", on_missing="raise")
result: 5h36
